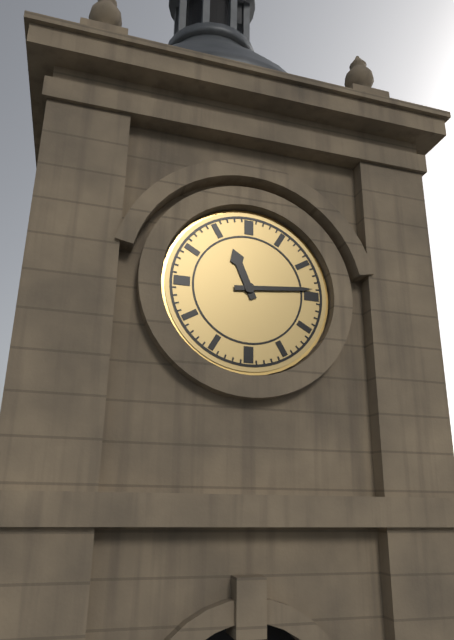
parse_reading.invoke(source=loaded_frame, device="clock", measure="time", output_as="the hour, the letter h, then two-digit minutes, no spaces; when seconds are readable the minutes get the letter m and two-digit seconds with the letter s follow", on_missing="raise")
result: 11h14
